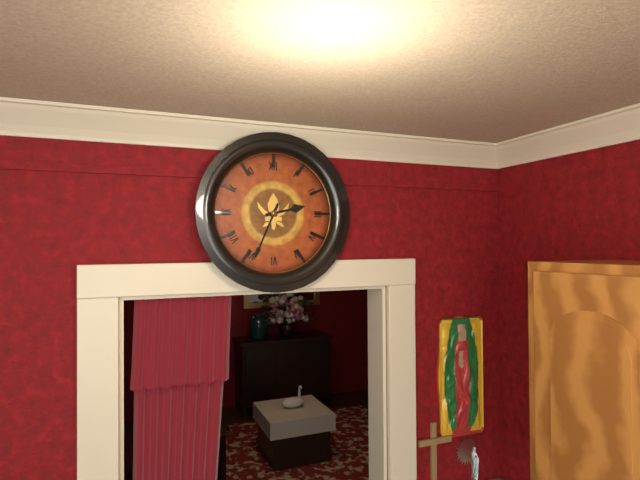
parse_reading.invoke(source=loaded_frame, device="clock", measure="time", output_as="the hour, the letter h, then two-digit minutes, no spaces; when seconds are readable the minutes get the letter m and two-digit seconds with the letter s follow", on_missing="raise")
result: 2h34
